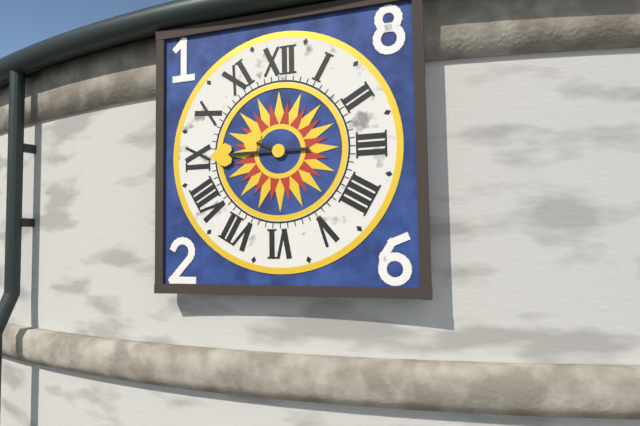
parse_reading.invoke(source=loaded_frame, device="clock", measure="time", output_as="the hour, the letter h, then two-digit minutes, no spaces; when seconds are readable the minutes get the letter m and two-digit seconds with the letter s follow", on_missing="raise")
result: 9h45
